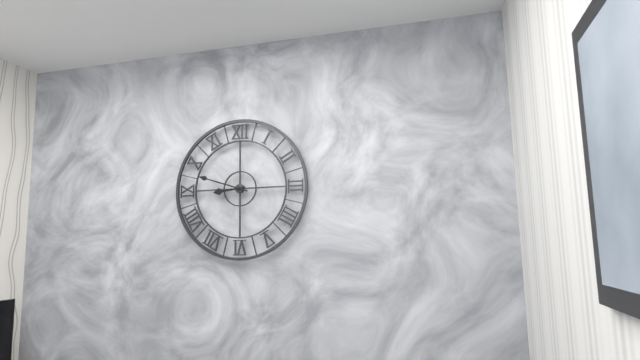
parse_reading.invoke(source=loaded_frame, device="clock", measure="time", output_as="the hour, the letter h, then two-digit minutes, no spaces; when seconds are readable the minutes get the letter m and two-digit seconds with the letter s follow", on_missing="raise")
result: 8h48
